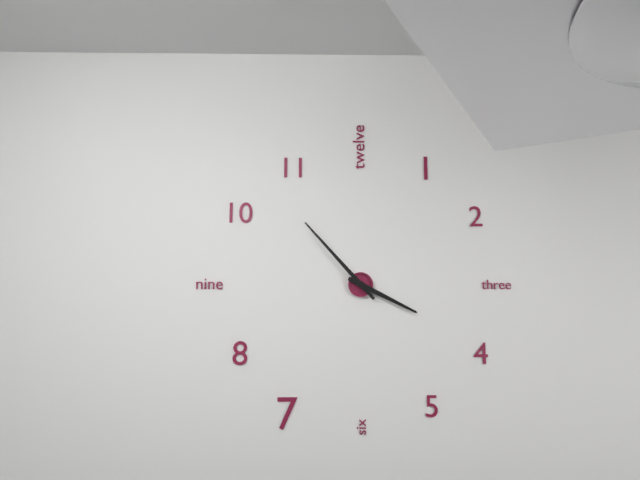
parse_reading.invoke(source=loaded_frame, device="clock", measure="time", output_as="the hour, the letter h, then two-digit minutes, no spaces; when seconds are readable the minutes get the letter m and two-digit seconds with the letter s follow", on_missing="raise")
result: 3h53
